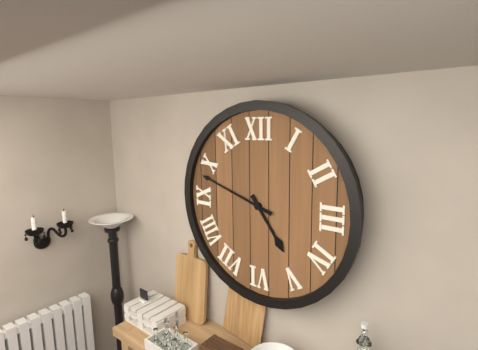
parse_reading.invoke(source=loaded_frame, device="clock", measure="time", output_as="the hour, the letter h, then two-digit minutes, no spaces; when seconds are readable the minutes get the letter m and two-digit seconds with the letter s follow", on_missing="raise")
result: 4h48
